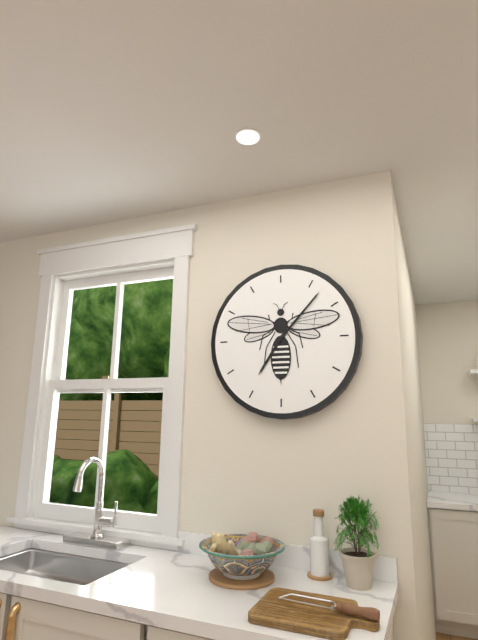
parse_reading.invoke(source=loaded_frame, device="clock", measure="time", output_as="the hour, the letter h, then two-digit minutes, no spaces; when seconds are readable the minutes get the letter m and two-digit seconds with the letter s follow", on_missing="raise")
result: 7h07
